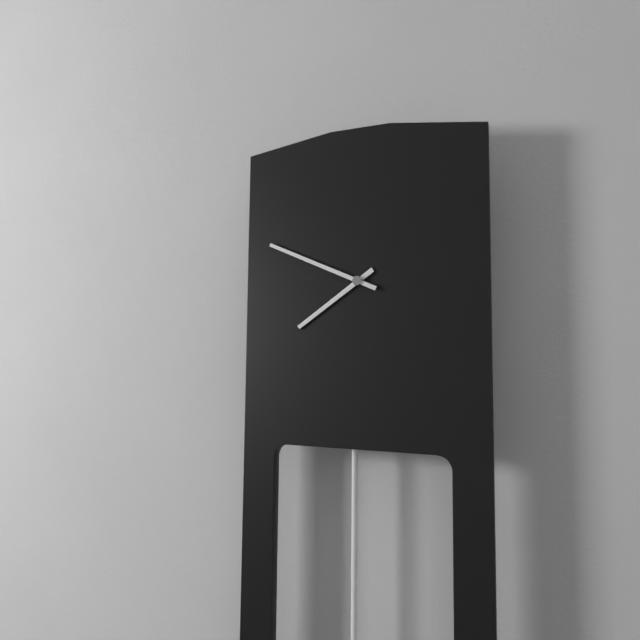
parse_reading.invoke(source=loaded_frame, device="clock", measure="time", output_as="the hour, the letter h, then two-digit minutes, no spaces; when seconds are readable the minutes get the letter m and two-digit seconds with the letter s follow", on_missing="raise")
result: 7h49
